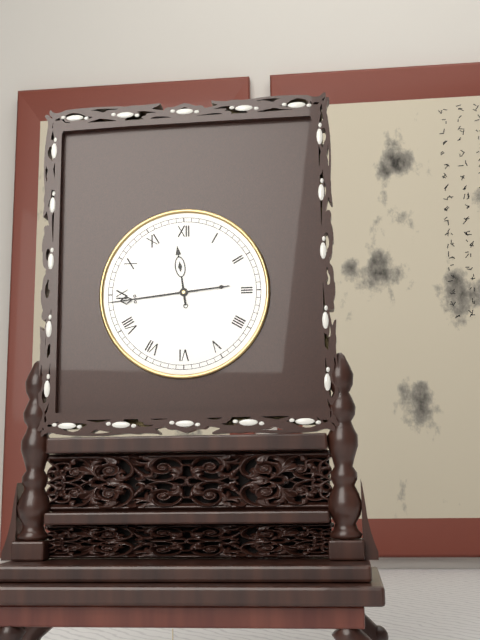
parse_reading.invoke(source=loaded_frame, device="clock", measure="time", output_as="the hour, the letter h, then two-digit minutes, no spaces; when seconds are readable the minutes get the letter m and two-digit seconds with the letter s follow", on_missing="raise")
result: 11h44
